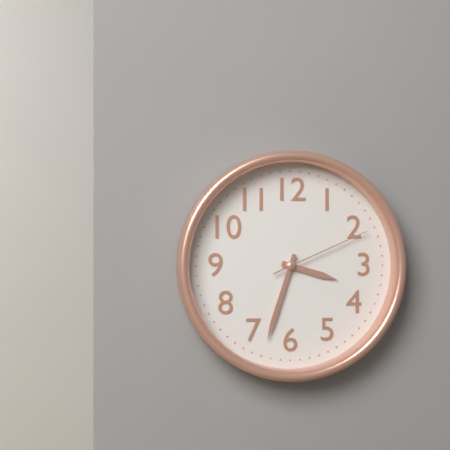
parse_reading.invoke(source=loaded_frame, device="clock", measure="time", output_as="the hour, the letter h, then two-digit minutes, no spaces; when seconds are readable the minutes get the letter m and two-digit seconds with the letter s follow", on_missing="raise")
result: 3h33m11s
